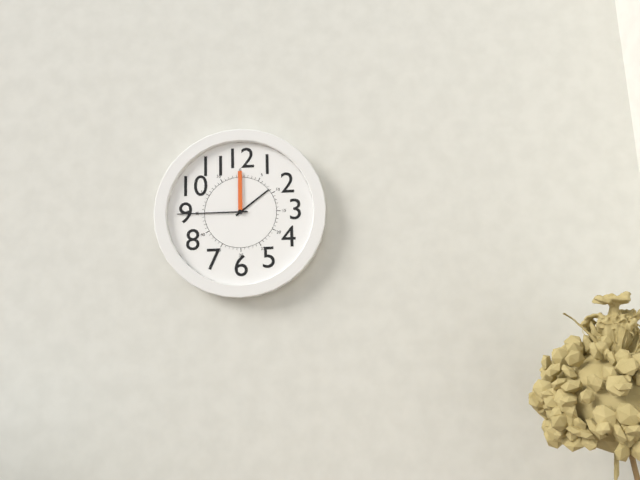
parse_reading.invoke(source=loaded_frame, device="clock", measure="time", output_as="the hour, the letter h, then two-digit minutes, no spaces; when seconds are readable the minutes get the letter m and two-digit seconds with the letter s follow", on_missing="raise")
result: 1h45m00s
